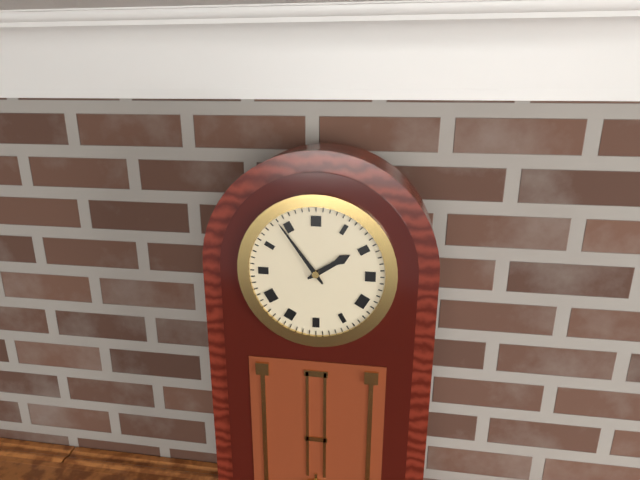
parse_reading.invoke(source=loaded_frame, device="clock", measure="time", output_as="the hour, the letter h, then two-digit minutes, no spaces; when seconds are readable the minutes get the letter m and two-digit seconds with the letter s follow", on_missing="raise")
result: 1h54
